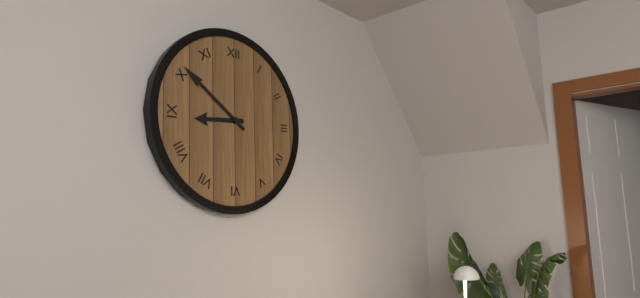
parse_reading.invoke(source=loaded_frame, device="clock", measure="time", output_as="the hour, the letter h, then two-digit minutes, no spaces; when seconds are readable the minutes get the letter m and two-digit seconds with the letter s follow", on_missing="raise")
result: 8h51
